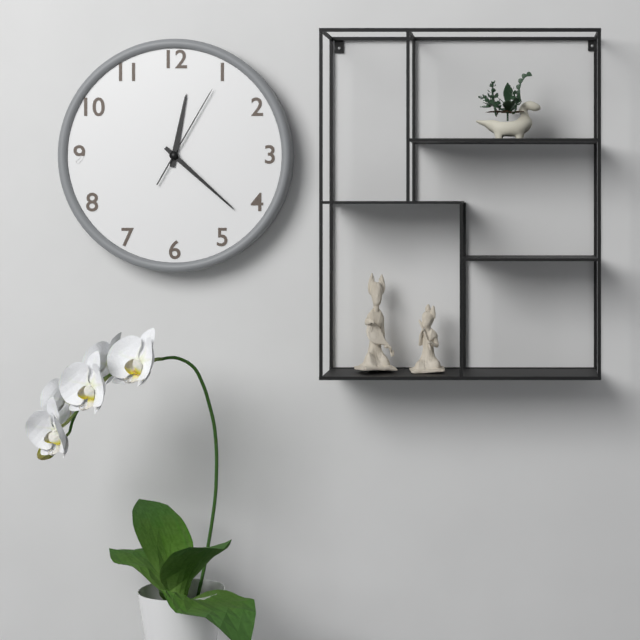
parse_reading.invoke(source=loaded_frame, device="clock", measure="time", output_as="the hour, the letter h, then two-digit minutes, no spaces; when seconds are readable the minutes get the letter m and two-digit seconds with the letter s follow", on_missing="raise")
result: 12h22m05s
